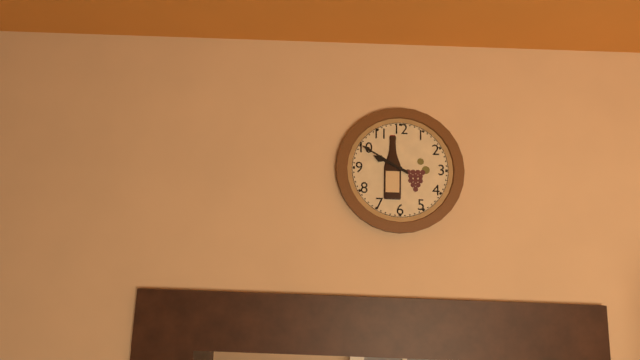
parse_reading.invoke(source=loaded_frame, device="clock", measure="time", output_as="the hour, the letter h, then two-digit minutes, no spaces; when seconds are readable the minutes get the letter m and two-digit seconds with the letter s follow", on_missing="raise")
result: 9h50
